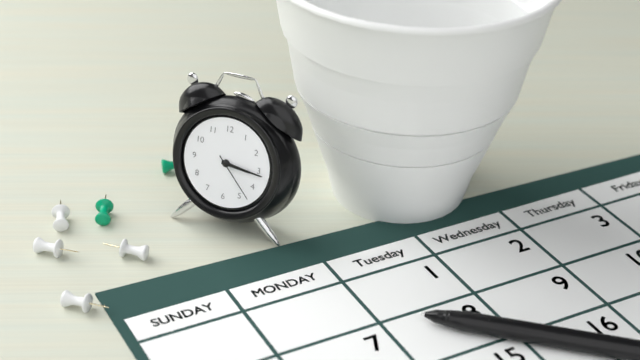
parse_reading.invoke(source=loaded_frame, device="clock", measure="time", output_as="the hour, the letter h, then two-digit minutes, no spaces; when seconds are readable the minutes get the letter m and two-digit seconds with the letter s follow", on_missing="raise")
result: 3h16m23s
